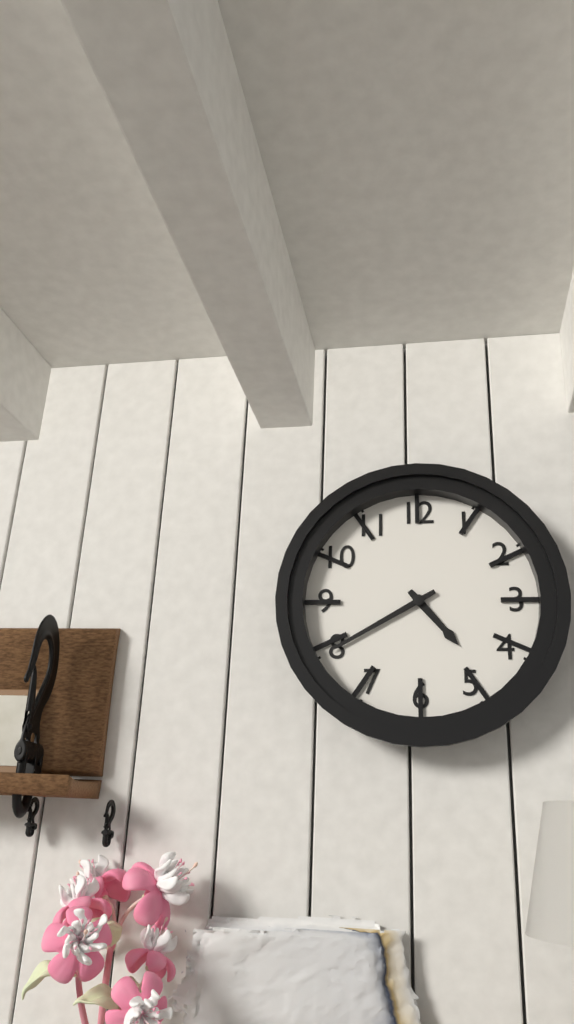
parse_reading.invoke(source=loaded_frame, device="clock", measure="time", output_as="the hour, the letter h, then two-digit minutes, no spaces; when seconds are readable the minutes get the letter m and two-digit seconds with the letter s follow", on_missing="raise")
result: 4h40
